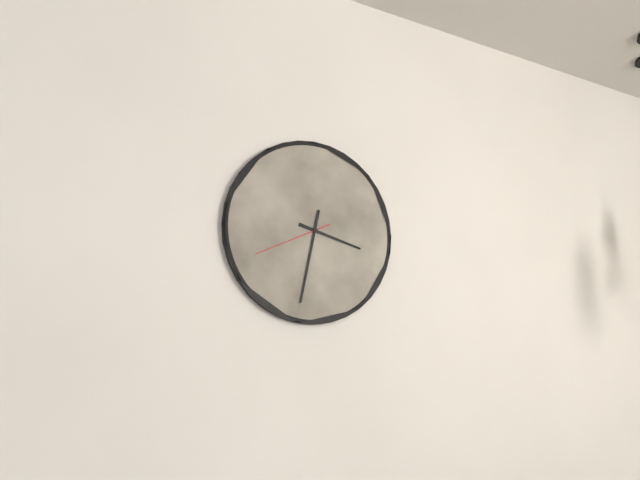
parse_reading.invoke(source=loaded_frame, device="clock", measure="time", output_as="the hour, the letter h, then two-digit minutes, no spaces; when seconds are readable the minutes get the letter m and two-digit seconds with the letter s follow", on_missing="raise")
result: 3h32m41s
